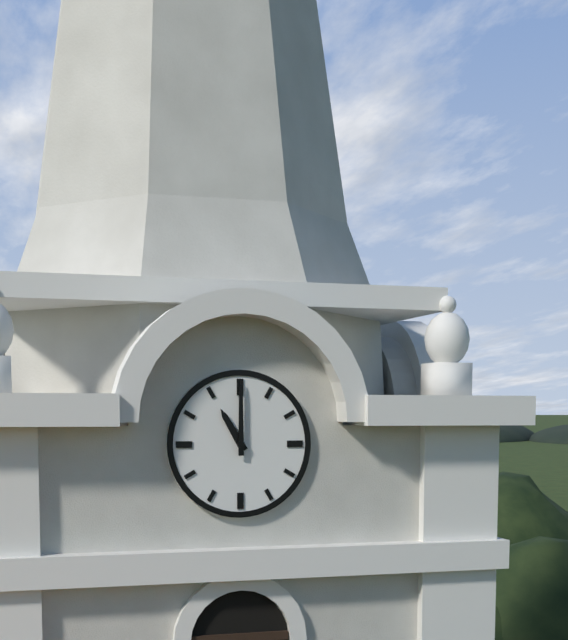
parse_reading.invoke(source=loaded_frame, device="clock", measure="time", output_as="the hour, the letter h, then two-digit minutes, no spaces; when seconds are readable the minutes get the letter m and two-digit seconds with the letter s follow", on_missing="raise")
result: 11h00
